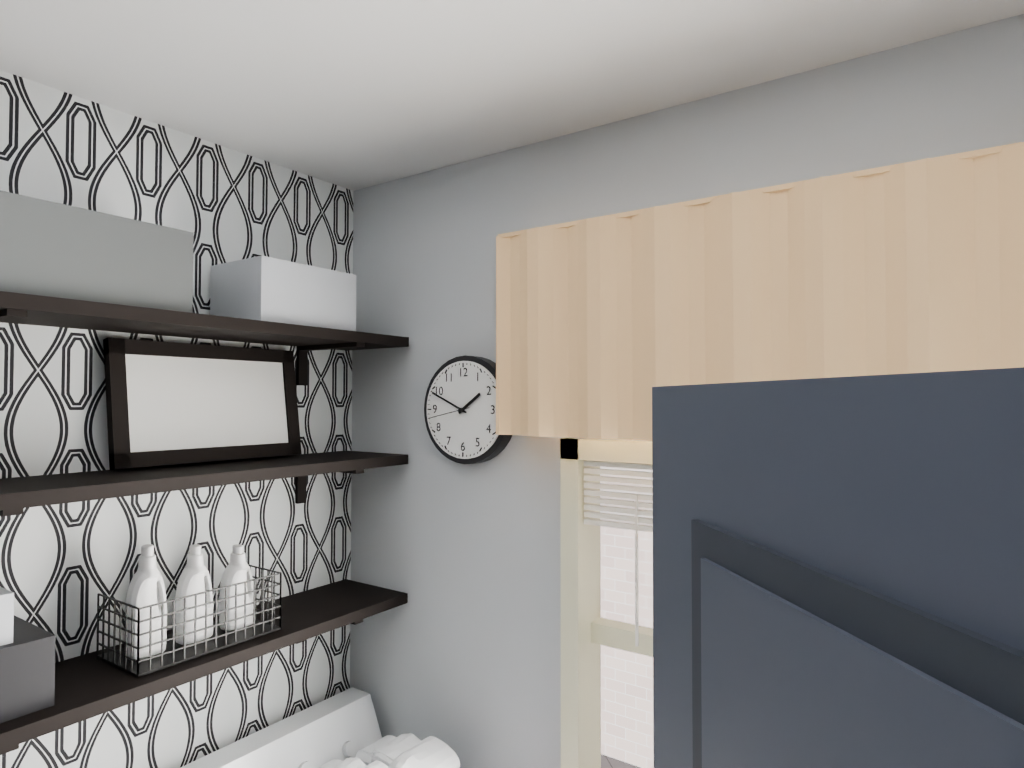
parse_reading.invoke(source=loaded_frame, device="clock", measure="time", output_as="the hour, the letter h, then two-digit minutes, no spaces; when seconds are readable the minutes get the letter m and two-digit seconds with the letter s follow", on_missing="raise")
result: 1h49
